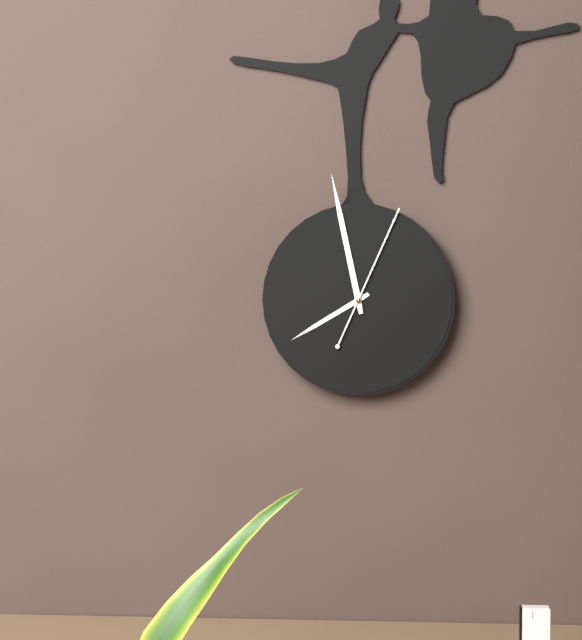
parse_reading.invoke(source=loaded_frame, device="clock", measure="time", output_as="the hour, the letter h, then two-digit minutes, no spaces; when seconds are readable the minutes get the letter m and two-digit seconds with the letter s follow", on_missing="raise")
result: 7h58m04s
